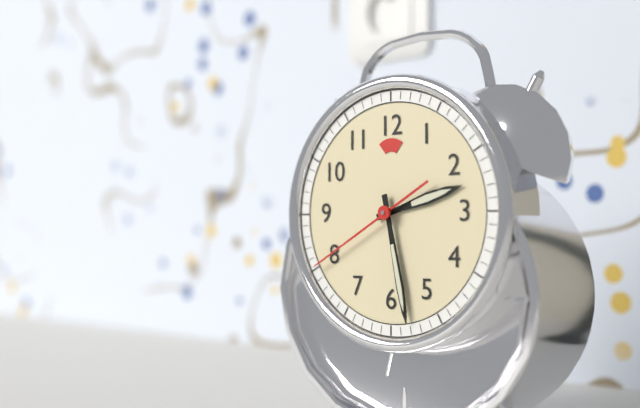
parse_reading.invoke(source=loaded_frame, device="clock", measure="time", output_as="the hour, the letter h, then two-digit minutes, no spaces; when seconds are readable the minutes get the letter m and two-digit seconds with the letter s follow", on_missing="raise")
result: 2h28m40s
